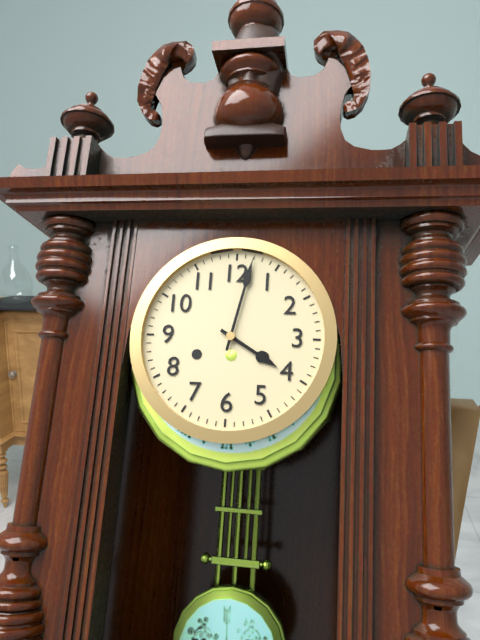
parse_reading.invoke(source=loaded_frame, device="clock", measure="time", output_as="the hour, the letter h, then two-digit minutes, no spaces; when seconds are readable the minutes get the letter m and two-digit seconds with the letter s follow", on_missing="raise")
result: 4h02
